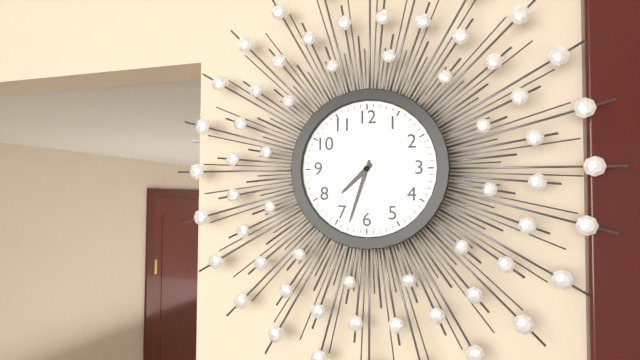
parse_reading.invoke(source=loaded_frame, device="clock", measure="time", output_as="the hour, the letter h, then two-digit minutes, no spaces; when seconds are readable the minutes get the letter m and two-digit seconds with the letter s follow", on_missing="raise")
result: 7h33
